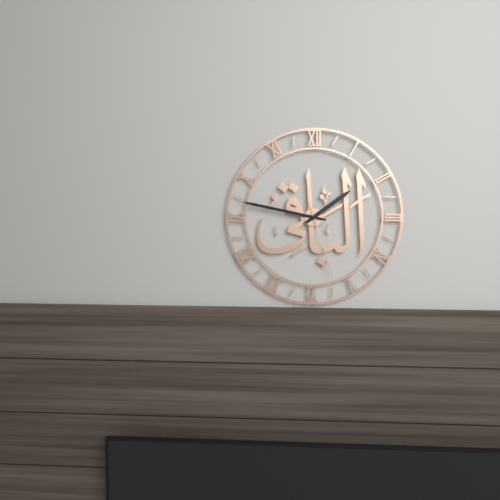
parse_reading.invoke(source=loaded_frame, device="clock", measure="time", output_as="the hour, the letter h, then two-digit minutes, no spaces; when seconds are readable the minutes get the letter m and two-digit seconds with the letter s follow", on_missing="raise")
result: 1h47m27s
